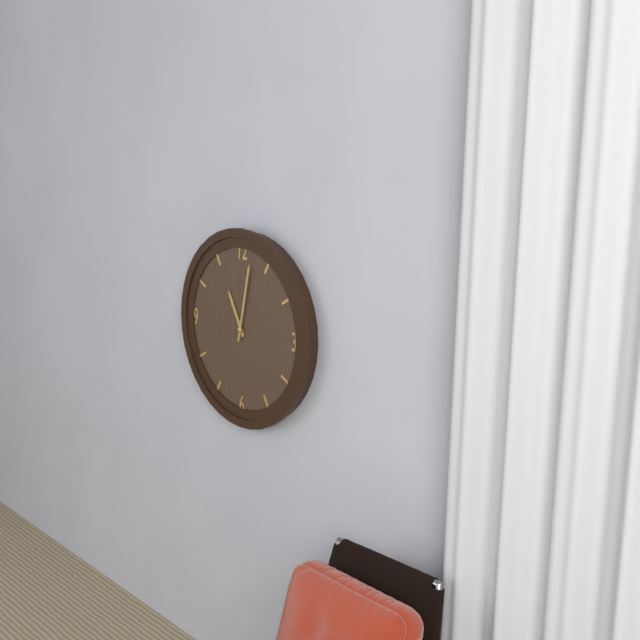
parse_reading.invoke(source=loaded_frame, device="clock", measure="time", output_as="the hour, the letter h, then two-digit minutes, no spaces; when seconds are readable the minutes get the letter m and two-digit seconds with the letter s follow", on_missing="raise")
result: 11h02
